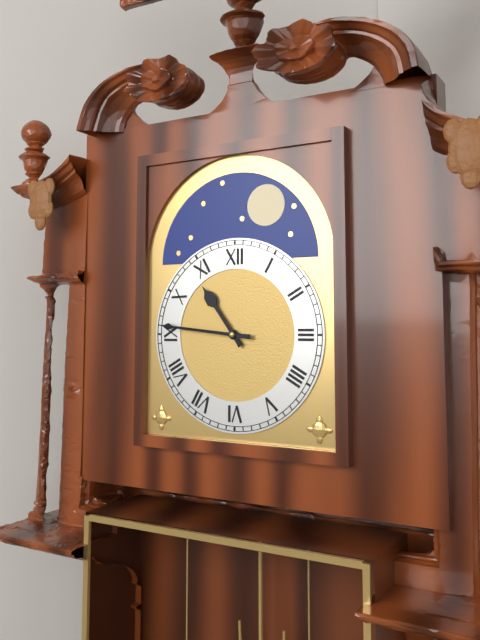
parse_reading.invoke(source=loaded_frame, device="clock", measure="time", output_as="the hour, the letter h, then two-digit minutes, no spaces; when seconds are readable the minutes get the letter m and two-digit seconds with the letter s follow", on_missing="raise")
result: 10h46
